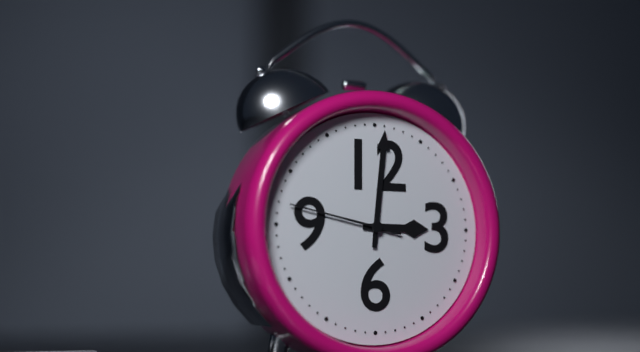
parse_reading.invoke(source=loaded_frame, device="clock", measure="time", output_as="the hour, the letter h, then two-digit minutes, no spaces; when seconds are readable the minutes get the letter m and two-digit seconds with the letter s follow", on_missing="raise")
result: 3h01m47s
